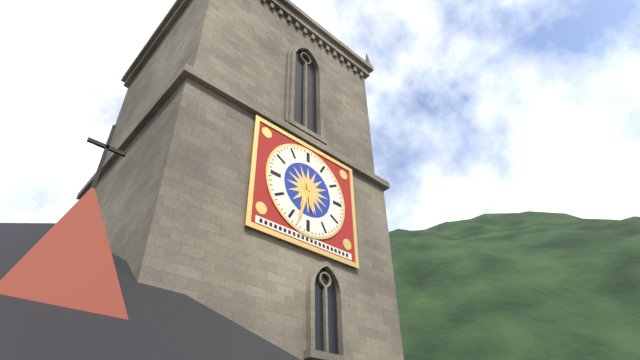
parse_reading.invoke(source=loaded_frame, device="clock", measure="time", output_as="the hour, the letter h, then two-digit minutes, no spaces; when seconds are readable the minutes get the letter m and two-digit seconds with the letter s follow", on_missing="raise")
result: 5h33
